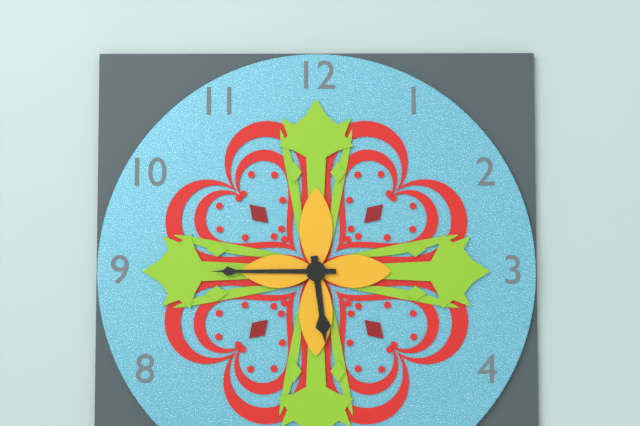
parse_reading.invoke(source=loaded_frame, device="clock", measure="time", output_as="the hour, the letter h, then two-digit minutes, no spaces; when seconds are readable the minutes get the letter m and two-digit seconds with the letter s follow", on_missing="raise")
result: 5h45
